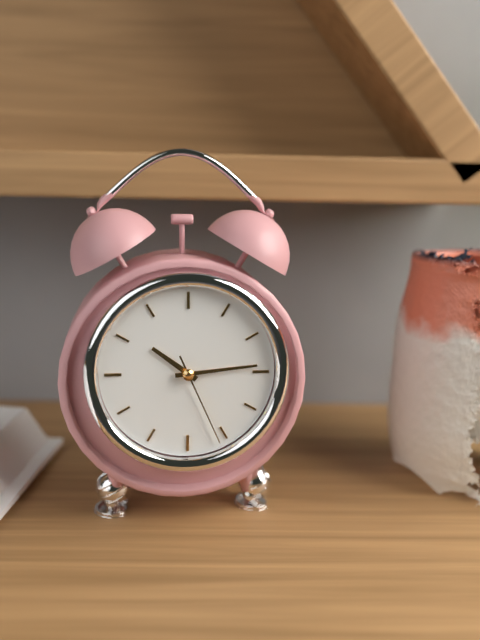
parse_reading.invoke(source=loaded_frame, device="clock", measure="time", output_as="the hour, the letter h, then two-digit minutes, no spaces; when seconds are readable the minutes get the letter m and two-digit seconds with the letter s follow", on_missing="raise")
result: 10h14m26s
